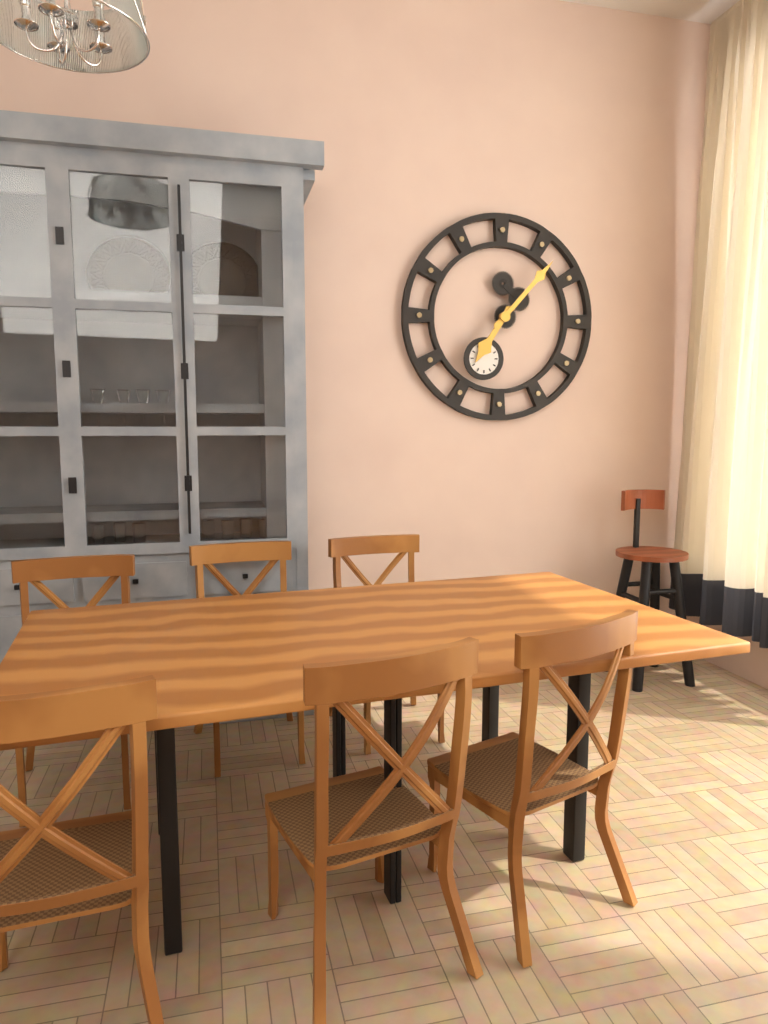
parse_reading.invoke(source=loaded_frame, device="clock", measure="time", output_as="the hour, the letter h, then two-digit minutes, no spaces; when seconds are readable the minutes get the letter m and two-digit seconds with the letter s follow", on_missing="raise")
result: 7h07
